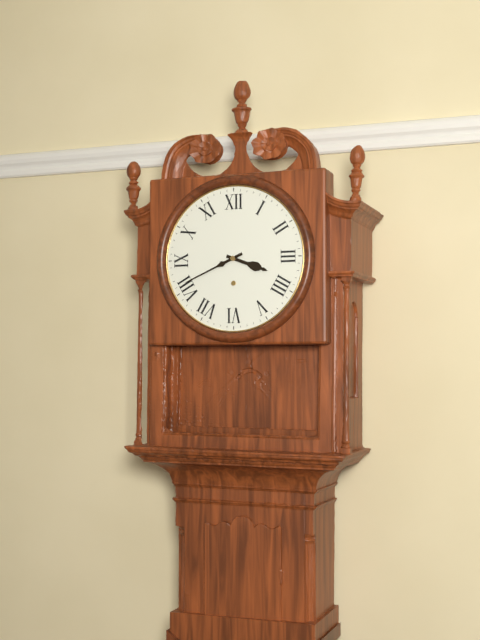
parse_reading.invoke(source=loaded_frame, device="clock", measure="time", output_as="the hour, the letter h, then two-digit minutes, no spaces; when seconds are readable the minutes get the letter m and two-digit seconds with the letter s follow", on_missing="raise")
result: 3h41
